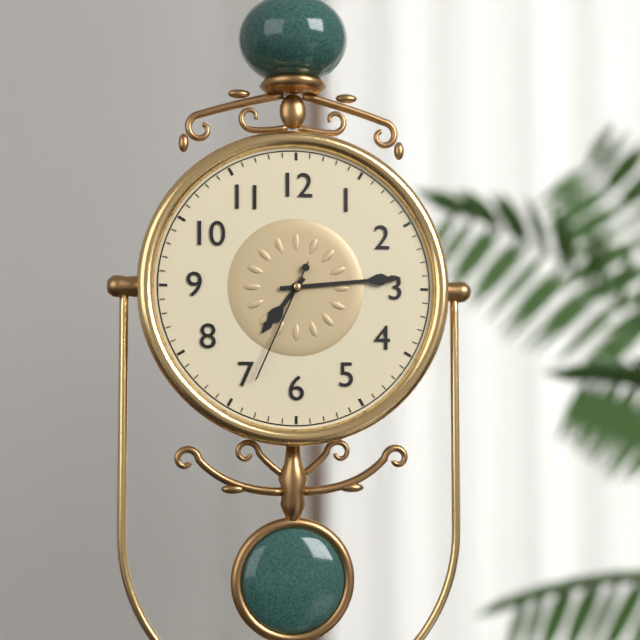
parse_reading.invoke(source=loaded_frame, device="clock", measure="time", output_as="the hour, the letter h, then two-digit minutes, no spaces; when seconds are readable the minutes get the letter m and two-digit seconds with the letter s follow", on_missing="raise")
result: 7h14m34s
